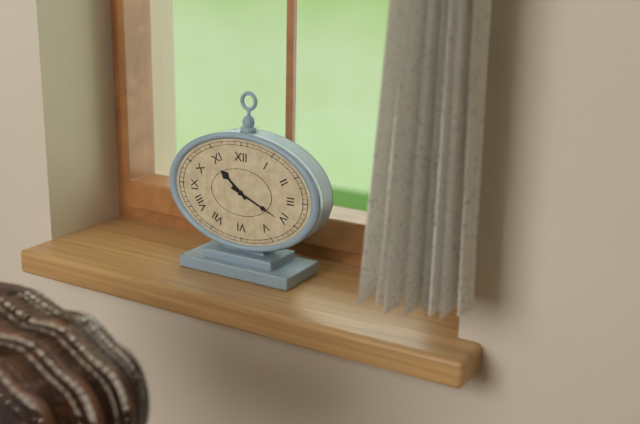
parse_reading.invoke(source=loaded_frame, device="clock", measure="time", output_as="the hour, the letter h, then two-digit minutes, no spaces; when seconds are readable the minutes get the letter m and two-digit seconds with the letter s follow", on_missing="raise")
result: 10h19
